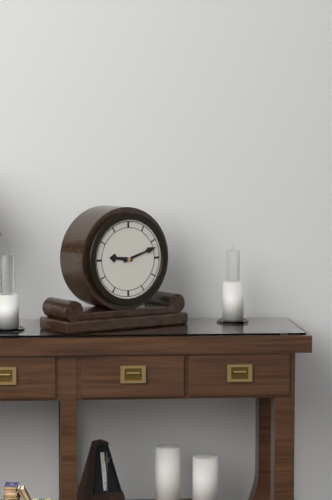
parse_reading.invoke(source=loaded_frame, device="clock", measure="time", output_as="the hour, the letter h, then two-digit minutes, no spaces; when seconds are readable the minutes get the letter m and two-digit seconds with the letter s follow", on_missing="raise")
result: 9h12
